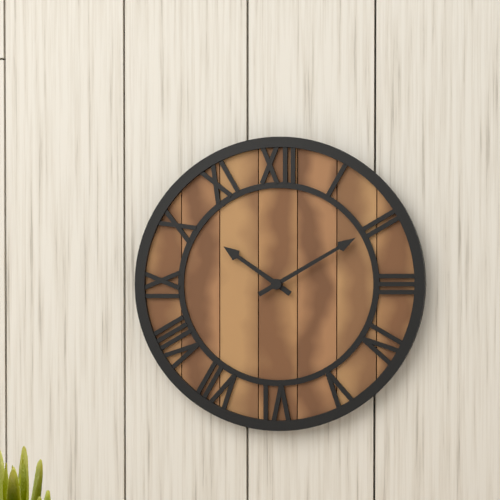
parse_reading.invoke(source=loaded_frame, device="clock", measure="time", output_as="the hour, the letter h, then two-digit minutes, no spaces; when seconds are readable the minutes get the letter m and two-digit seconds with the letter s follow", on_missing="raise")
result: 10h10
